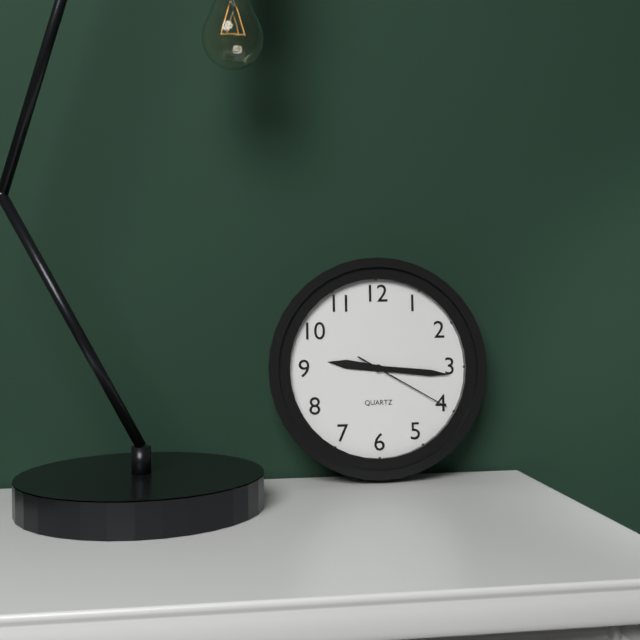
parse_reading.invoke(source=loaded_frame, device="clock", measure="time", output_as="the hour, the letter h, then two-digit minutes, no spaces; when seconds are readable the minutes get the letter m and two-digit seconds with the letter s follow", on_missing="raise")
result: 9h16m20s
